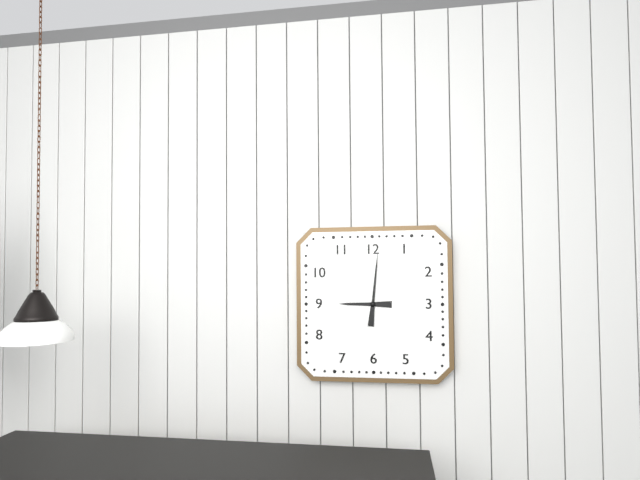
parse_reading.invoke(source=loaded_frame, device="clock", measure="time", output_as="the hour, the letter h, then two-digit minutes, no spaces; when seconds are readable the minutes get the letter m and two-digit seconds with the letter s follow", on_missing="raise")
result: 9h01
